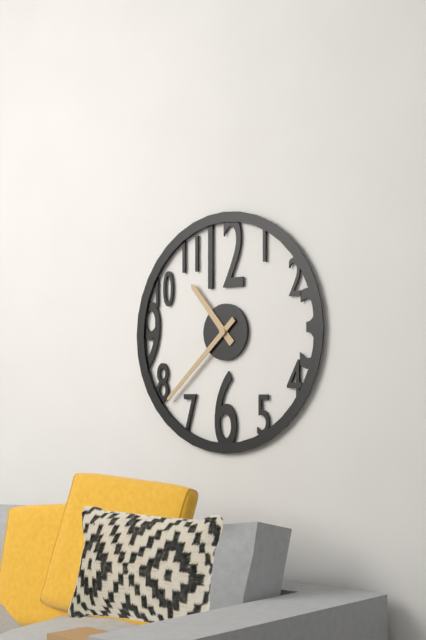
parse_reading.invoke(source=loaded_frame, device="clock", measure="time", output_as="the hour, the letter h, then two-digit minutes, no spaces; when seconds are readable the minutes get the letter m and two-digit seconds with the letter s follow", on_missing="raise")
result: 10h38
